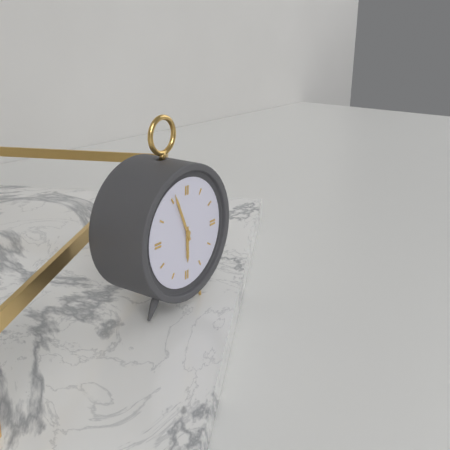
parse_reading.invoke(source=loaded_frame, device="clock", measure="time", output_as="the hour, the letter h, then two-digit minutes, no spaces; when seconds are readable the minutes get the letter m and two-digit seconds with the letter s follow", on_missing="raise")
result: 5h56
